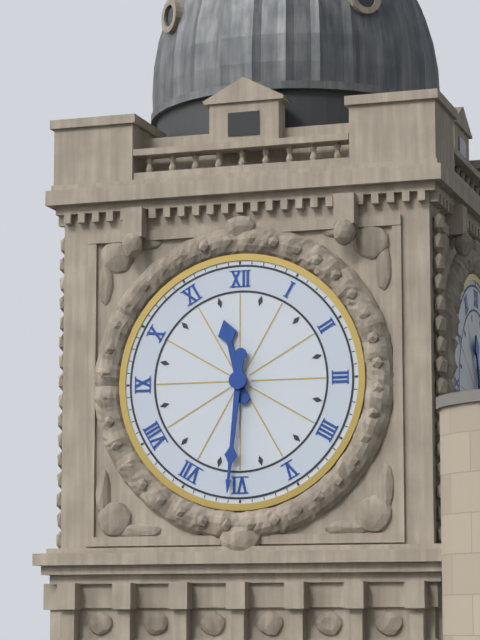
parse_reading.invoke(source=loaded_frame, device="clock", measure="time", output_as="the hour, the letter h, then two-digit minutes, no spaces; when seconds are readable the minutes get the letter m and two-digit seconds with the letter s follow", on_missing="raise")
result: 11h31
